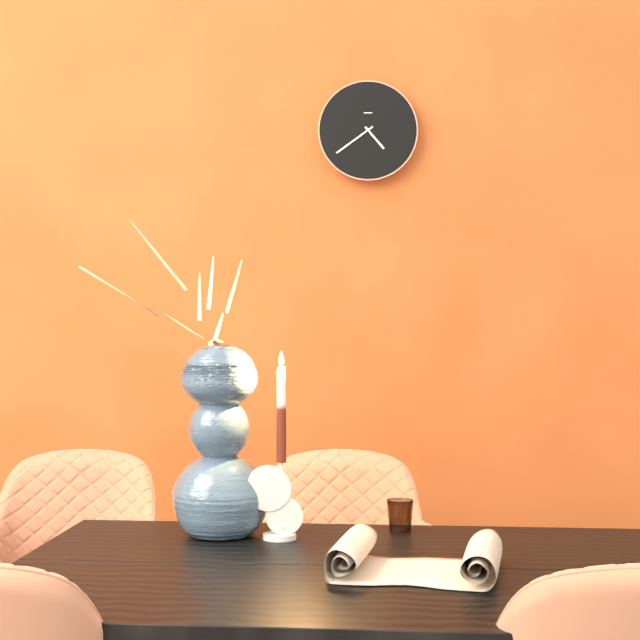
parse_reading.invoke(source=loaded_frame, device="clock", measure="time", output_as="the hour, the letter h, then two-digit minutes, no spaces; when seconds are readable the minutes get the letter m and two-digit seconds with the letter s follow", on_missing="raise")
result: 4h39
